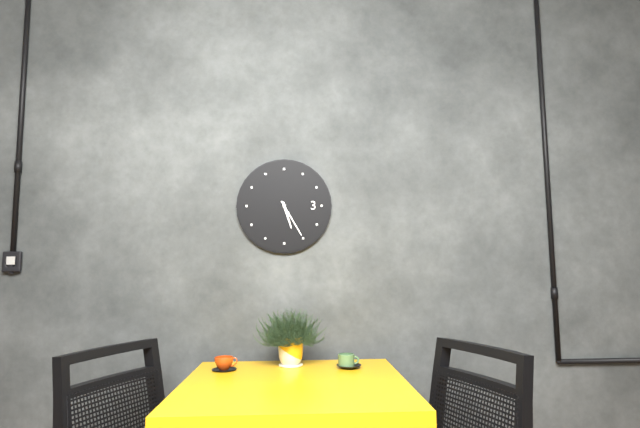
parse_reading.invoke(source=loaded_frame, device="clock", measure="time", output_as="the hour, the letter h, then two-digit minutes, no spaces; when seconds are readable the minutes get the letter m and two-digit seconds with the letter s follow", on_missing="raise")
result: 5h25
